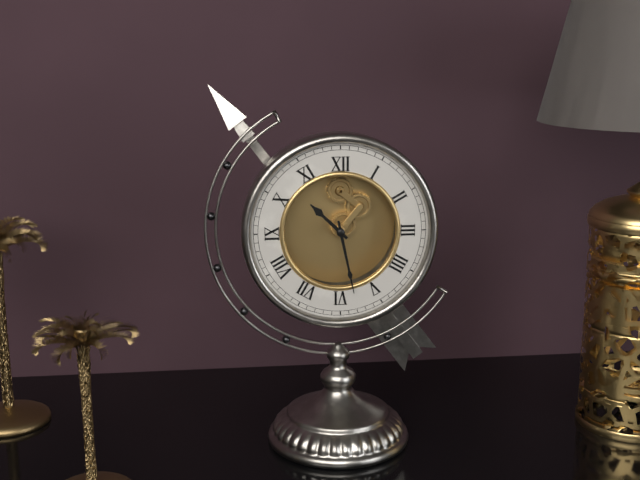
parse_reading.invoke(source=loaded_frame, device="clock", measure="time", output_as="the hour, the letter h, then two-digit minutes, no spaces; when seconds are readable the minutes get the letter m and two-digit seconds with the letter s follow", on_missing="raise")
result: 10h28
